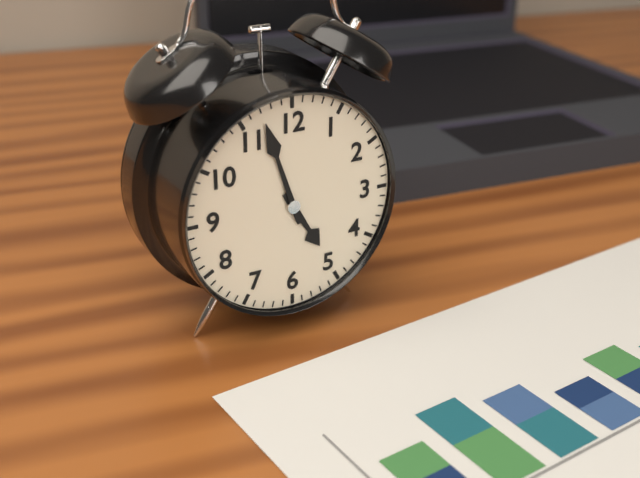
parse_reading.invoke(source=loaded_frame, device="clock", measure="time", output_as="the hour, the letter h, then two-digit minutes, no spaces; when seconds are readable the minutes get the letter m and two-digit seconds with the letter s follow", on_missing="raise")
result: 4h57
